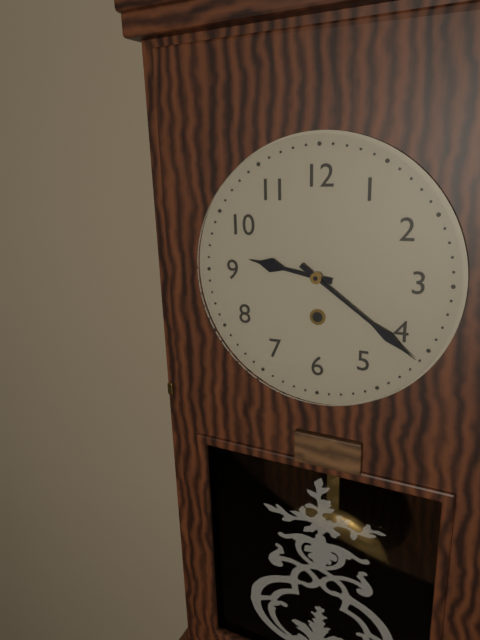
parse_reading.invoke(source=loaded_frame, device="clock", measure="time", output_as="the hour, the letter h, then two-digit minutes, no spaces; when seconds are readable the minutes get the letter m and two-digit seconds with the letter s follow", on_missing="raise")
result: 9h21
